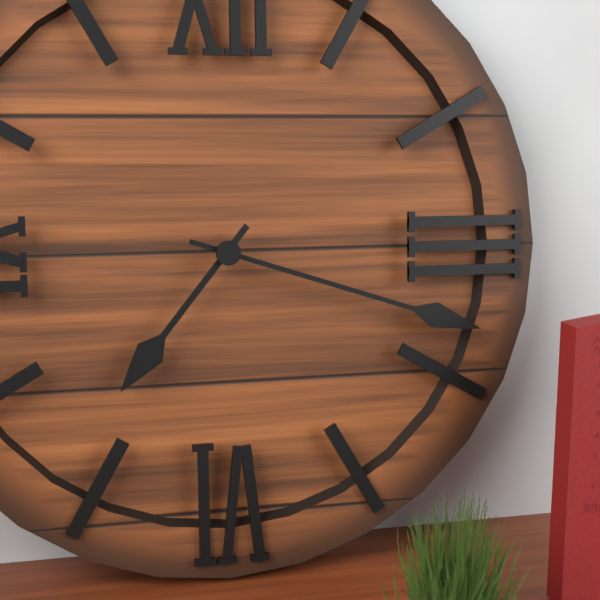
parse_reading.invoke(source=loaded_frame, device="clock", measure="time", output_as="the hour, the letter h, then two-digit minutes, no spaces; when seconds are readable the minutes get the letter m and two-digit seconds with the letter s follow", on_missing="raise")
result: 7h18
